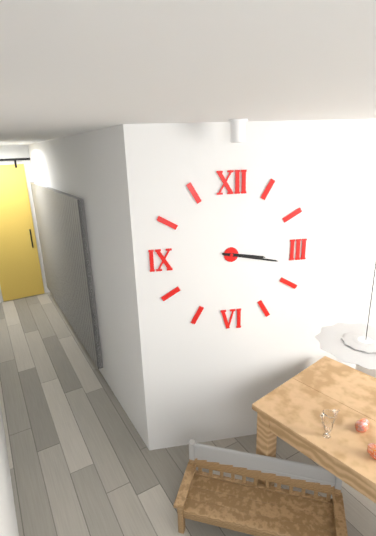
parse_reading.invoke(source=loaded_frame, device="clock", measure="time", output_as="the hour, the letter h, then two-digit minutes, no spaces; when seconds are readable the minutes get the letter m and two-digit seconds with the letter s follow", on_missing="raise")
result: 3h17
